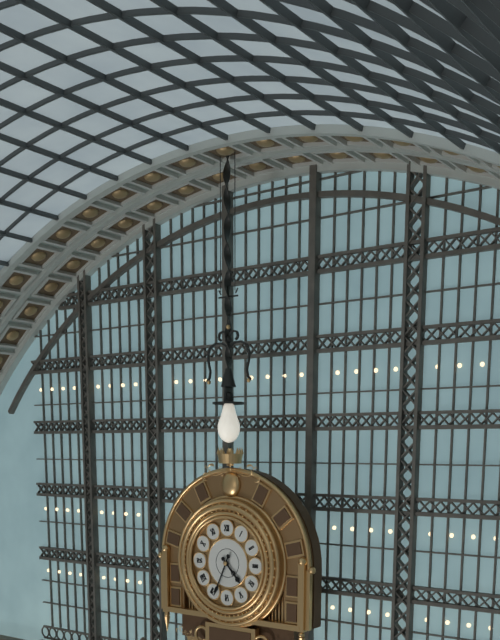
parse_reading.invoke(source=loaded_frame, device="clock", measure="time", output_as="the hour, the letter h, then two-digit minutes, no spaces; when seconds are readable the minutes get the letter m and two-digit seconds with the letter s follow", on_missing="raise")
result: 4h34
